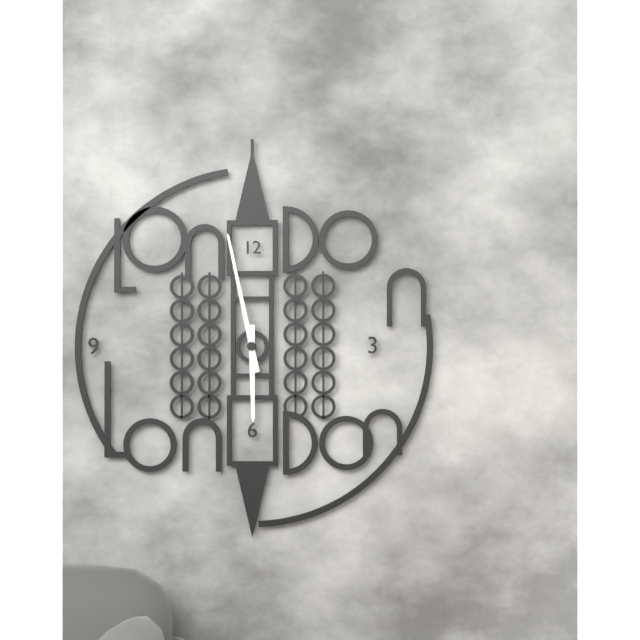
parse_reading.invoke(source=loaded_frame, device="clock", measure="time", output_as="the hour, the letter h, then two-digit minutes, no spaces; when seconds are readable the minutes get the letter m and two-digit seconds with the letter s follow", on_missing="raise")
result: 5h58
